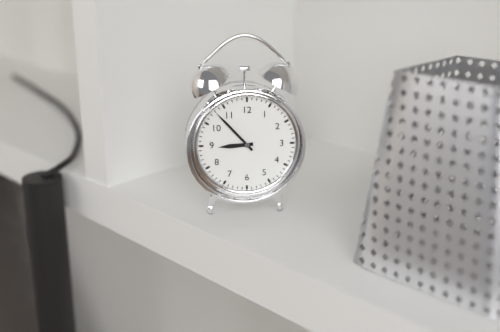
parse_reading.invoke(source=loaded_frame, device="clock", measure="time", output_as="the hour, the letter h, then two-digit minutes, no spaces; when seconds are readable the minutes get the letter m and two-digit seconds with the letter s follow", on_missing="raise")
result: 8h53
